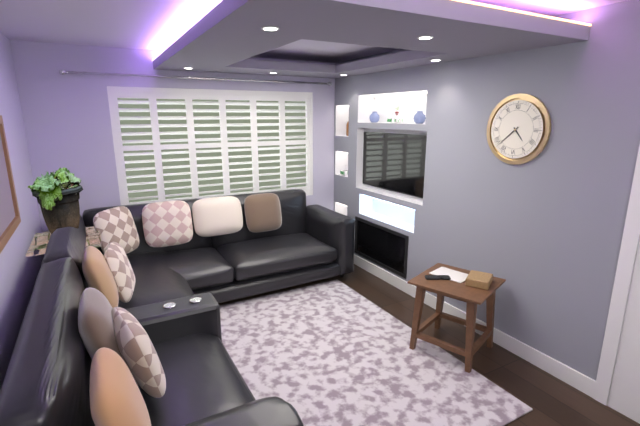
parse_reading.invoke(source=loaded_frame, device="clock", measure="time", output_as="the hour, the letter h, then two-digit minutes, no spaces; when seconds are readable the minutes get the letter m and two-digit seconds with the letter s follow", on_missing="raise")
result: 4h38
